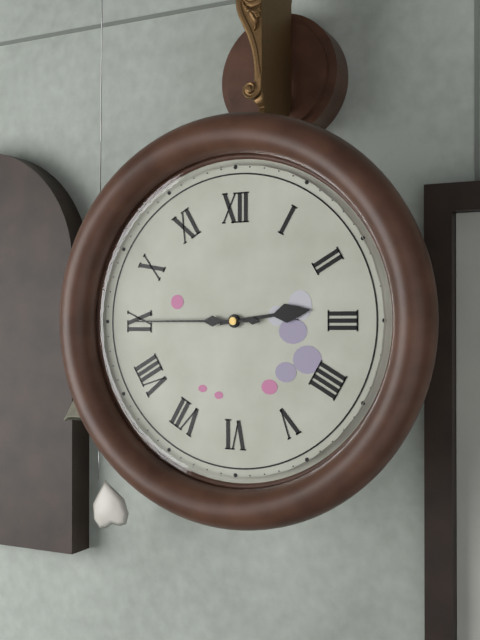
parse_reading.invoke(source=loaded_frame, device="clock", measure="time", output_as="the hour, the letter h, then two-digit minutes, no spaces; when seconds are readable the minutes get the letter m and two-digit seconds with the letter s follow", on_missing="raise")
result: 2h45
